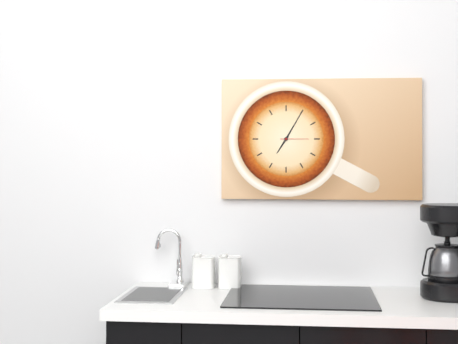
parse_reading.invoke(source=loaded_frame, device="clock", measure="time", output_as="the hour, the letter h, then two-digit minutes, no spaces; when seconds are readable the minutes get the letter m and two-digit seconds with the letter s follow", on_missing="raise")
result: 7h05
